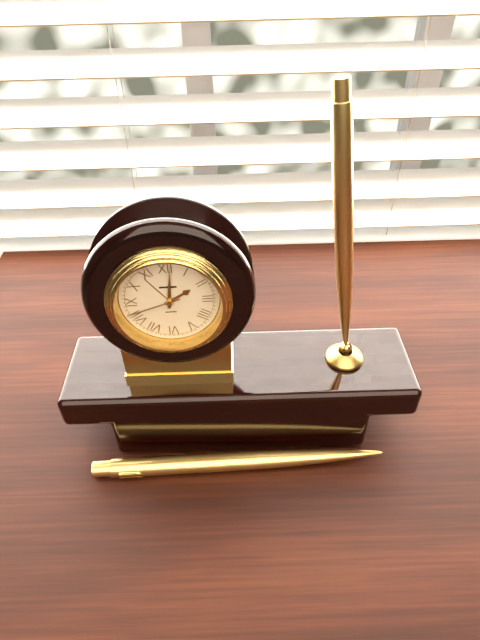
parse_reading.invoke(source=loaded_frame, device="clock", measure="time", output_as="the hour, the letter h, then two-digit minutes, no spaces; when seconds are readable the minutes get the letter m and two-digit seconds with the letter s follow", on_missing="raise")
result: 2h01m42s
